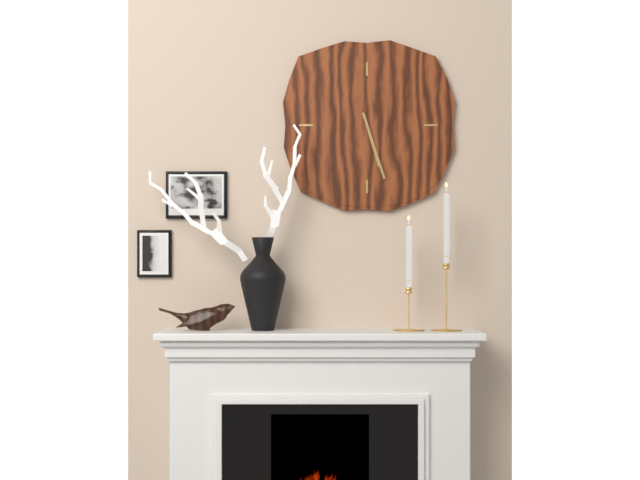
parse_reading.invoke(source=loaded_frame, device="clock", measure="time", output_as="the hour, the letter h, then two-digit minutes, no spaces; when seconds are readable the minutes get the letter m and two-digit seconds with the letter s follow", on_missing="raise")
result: 5h27
